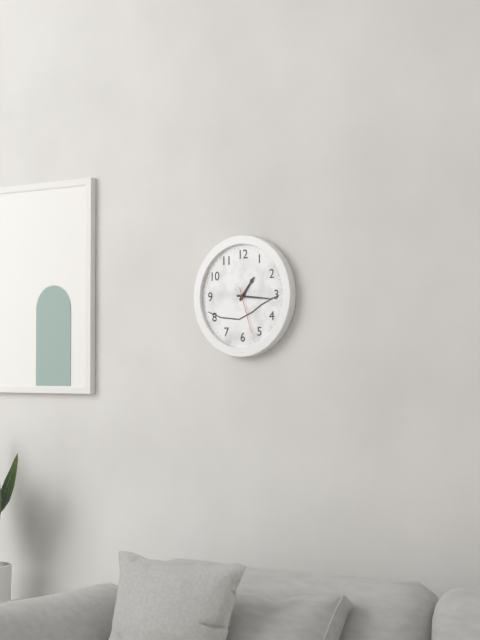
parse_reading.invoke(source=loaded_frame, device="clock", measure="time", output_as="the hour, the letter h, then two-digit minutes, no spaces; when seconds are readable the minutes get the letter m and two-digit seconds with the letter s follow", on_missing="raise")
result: 1h16
